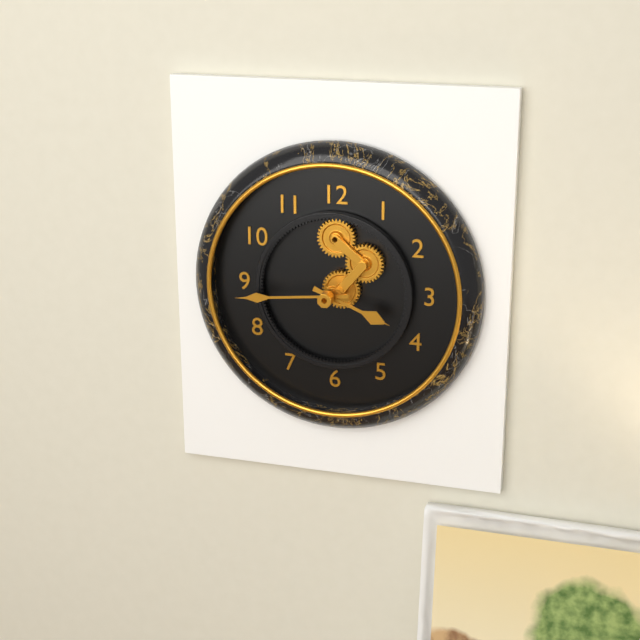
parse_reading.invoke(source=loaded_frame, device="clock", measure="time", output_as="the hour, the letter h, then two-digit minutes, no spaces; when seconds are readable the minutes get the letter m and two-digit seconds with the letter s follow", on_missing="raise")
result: 3h44
